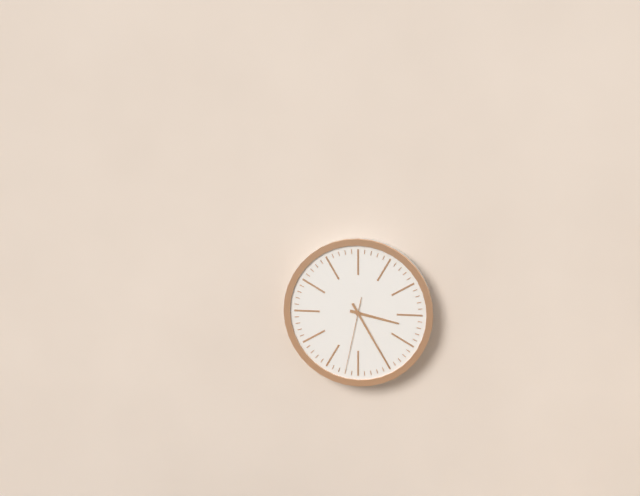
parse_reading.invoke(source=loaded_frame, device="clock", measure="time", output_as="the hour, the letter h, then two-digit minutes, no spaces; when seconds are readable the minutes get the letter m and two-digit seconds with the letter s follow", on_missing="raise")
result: 3h25m32s
